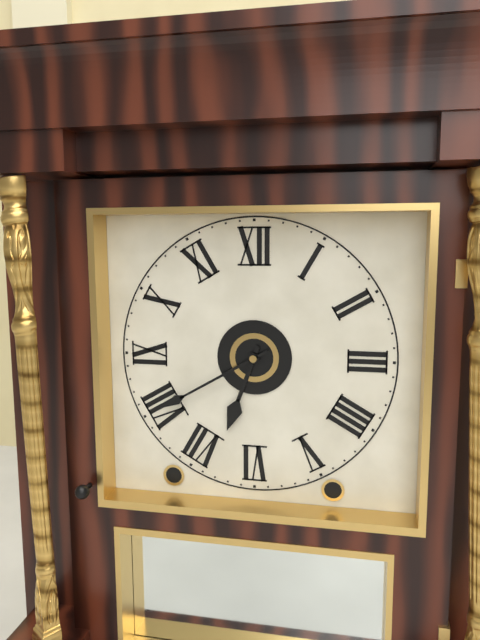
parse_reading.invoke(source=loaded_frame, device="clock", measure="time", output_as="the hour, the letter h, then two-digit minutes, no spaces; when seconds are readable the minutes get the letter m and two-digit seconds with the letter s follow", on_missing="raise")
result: 6h40
